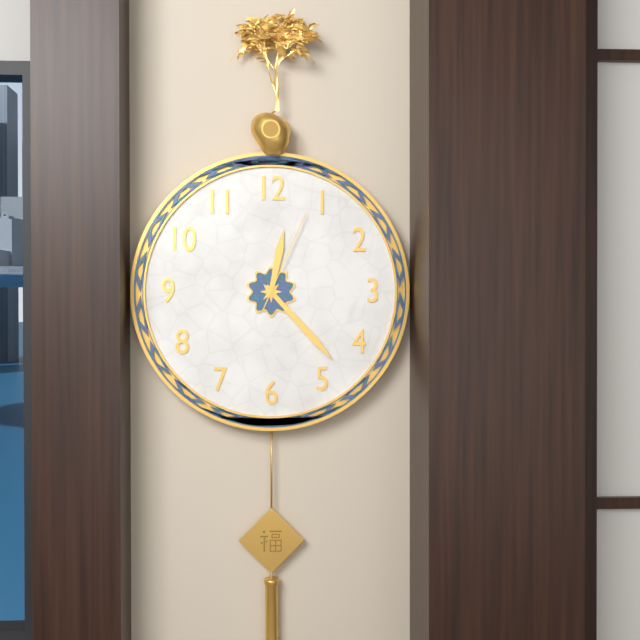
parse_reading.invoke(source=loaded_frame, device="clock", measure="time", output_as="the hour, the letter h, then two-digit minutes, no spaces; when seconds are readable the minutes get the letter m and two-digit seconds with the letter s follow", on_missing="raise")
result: 12h23m04s
